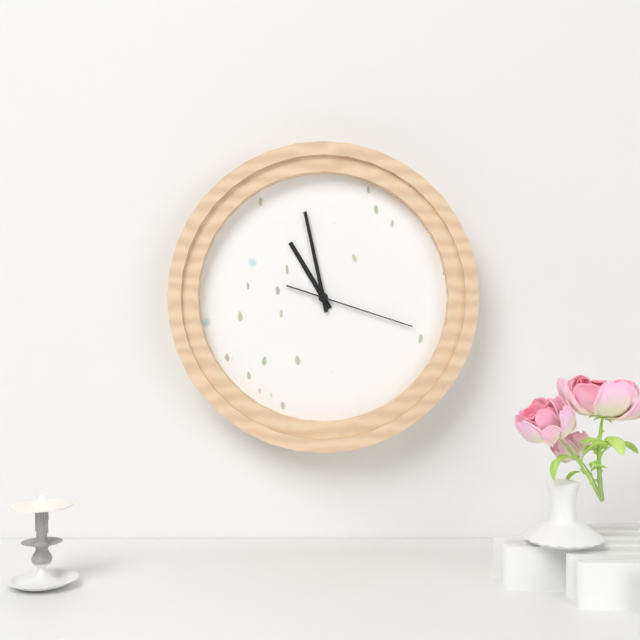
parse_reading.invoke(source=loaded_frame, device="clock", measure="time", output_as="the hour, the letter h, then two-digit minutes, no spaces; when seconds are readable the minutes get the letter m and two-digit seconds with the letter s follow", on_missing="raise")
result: 10h58m18s
